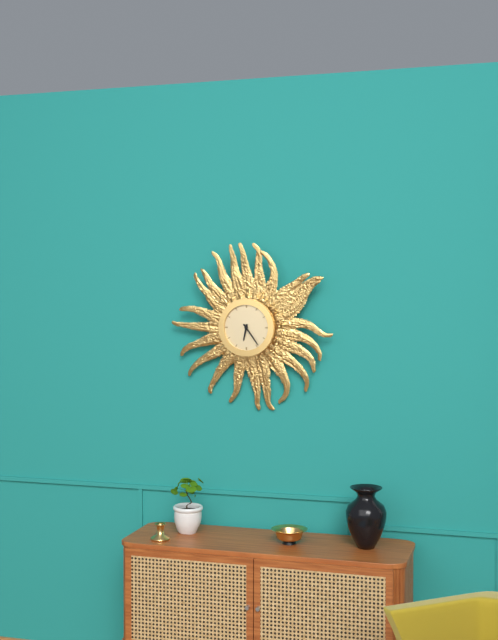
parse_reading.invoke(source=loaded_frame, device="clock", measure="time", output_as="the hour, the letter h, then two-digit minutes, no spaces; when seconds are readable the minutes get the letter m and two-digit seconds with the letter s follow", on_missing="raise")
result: 6h24
